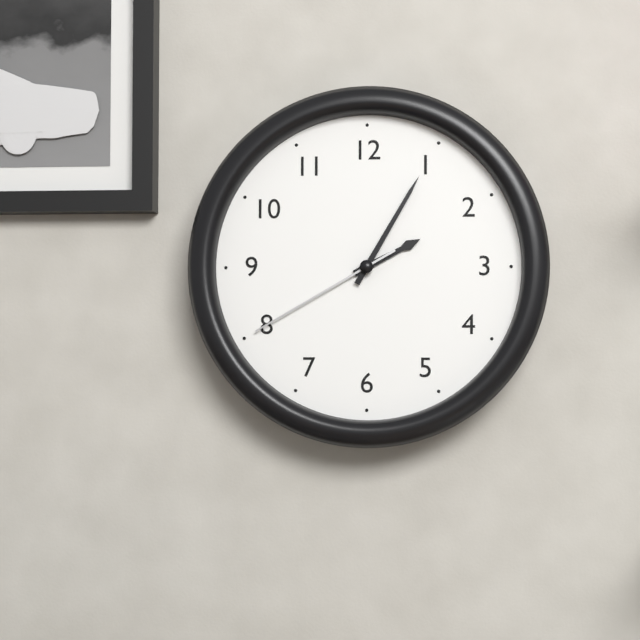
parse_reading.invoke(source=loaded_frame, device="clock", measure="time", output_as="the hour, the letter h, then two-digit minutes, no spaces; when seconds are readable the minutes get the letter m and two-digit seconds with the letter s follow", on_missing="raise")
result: 2h05m40s
